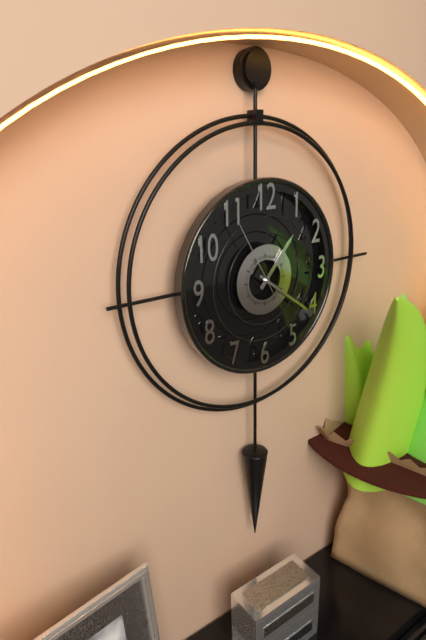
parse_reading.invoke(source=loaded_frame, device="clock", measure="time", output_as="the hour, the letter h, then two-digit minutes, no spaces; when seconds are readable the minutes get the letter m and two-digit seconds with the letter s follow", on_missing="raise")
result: 1h21m55s
